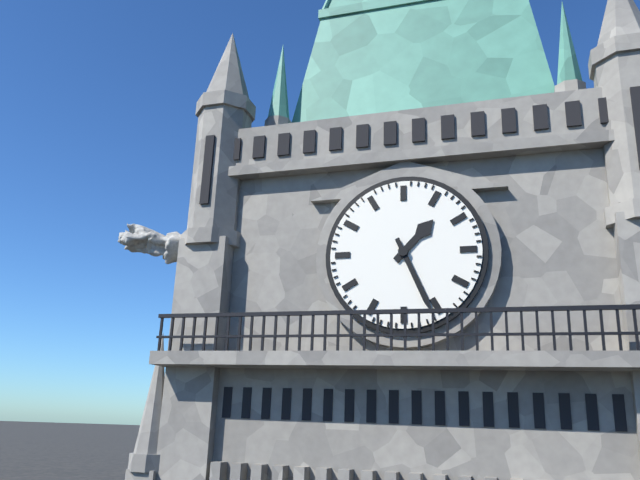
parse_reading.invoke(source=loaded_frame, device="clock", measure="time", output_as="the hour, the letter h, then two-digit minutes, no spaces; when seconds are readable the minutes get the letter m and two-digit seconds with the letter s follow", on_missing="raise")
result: 1h26
